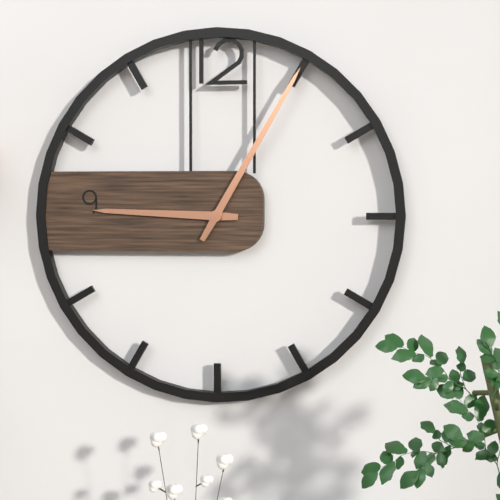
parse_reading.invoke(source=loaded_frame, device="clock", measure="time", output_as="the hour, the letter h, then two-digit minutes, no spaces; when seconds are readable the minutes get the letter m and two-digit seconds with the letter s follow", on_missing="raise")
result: 9h05
